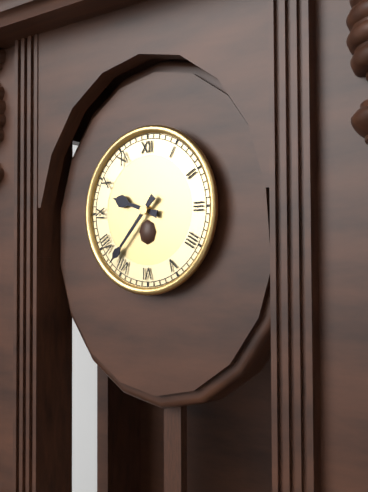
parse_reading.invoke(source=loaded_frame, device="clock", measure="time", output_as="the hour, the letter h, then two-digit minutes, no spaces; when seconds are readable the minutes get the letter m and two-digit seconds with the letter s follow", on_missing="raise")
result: 9h37
